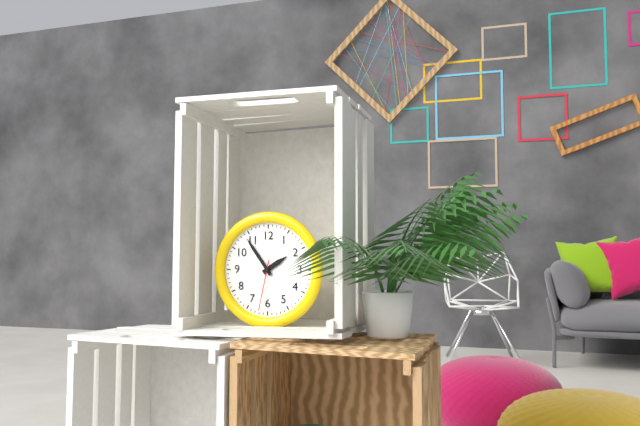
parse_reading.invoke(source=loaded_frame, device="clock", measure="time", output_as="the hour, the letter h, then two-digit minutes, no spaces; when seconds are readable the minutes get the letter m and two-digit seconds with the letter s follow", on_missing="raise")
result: 1h54m32s
